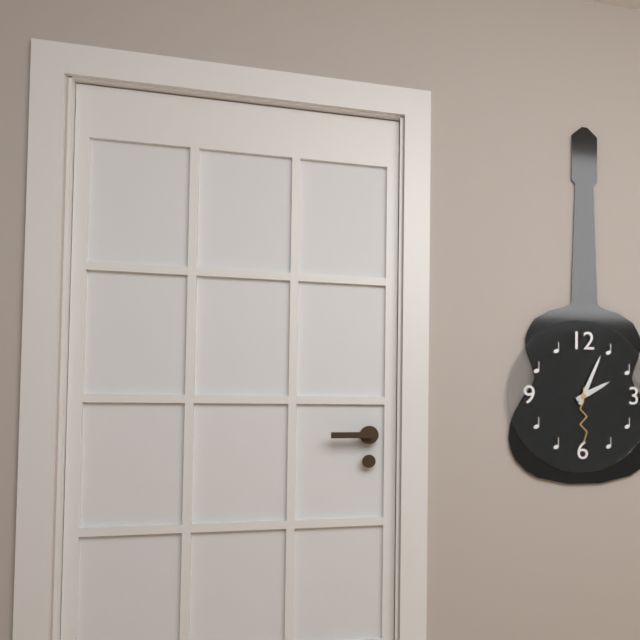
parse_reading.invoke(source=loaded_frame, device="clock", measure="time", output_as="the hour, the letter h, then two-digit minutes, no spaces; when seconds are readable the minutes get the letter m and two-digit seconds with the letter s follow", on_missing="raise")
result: 2h04m30s
